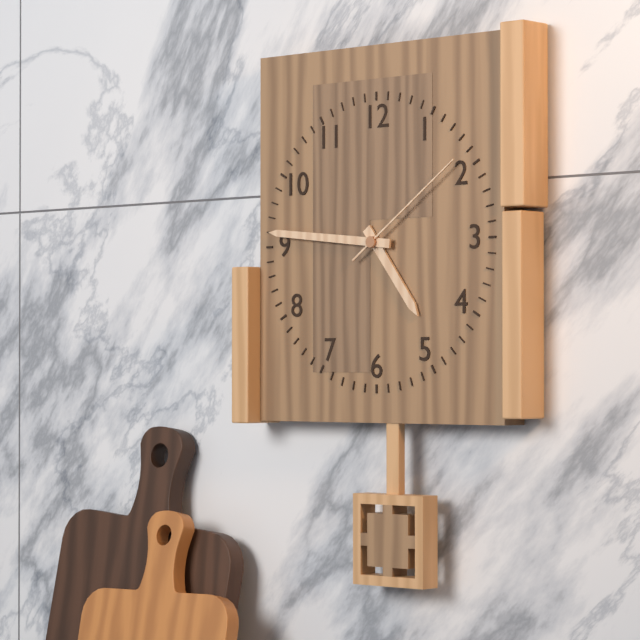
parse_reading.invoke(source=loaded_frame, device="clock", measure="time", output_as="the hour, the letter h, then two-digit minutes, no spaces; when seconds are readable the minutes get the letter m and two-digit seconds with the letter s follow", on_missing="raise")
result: 4h46m09s
